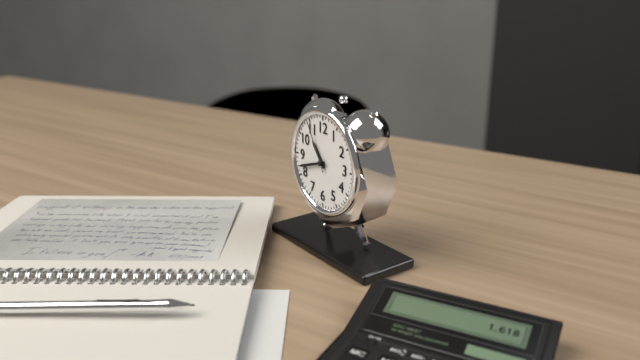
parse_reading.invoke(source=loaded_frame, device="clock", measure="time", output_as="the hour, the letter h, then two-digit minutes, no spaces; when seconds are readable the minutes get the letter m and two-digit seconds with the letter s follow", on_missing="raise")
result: 10h42m55s
